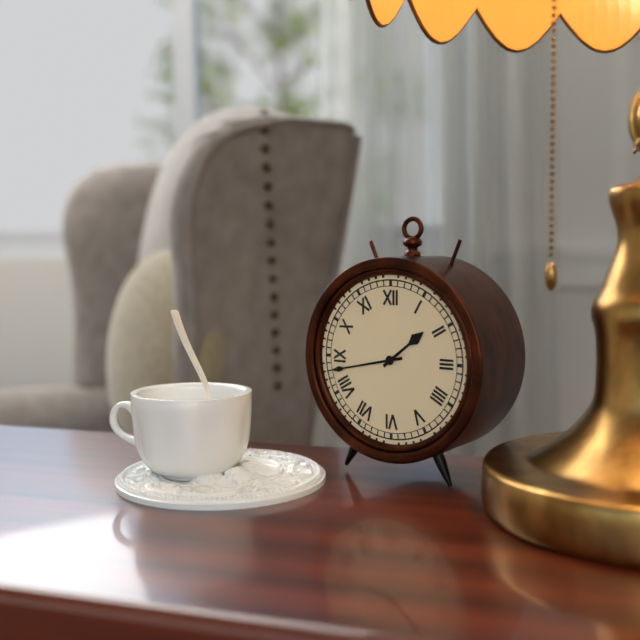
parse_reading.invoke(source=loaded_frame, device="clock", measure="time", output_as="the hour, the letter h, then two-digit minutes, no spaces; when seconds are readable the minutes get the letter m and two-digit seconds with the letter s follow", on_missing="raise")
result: 1h43
